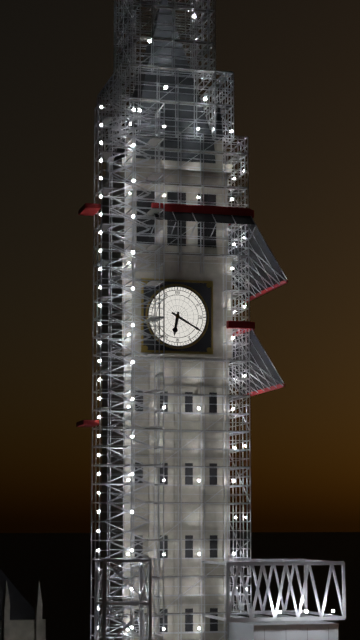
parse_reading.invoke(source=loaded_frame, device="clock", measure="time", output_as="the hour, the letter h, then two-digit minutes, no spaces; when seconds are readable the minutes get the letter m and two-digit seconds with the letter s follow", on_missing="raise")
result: 6h20
